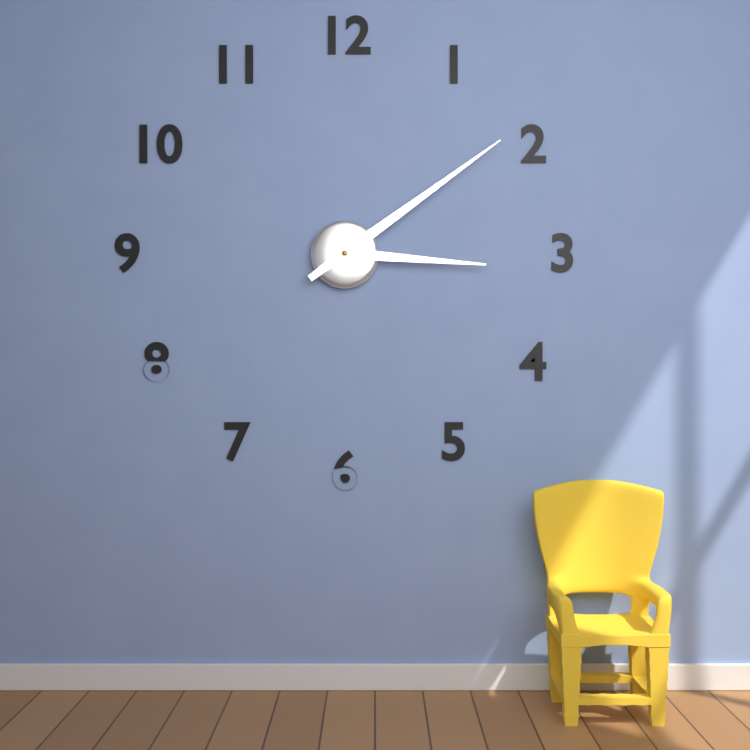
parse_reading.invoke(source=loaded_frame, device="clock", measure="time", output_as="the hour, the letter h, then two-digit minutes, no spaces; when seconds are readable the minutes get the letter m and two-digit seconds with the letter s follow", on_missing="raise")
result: 3h09
